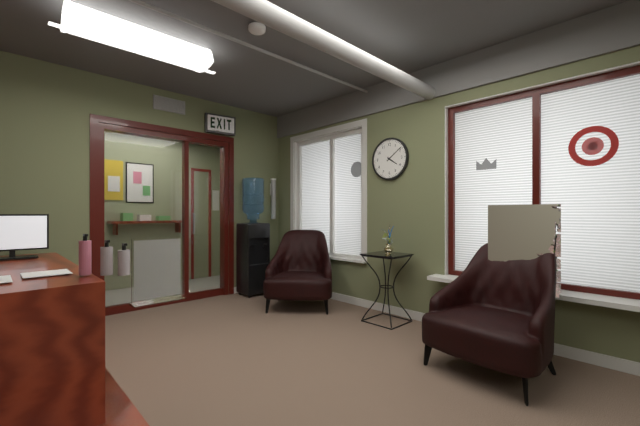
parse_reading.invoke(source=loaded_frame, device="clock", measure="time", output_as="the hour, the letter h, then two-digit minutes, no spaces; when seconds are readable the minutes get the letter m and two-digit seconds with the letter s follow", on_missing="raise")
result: 4h09
